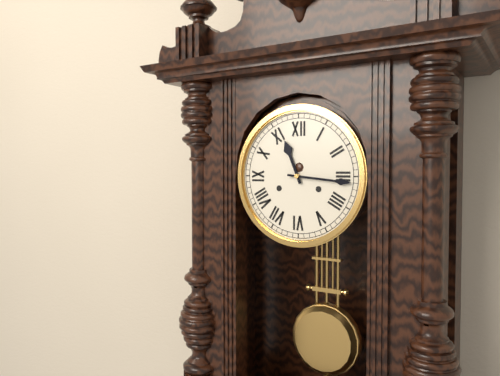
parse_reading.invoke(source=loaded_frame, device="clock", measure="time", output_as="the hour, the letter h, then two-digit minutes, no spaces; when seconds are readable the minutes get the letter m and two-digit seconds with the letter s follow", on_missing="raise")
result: 11h16
